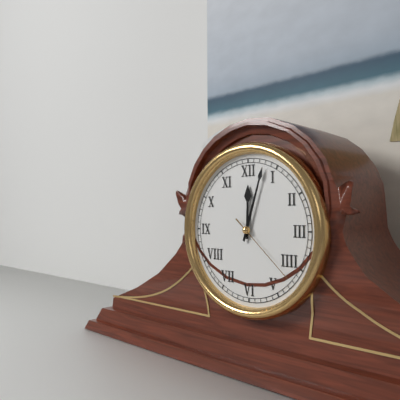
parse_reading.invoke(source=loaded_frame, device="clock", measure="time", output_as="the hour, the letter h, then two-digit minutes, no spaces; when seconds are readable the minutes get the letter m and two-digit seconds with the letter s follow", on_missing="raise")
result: 12h03m22s
